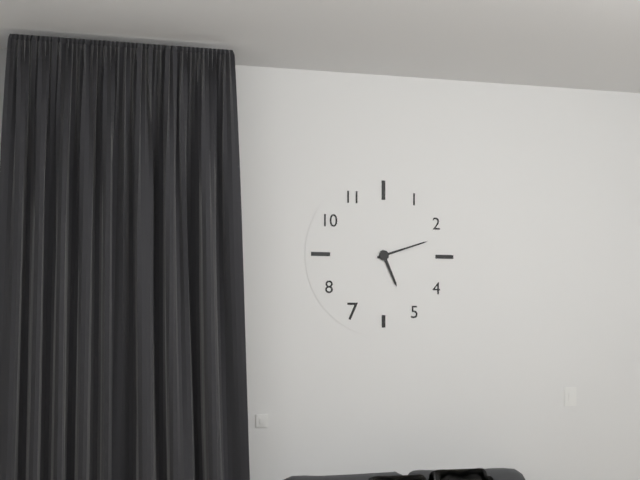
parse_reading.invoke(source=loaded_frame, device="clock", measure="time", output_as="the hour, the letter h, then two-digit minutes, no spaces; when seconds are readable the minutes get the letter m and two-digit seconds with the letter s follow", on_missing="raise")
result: 5h12
